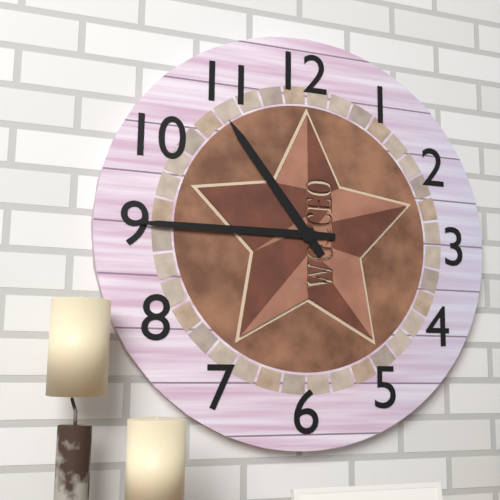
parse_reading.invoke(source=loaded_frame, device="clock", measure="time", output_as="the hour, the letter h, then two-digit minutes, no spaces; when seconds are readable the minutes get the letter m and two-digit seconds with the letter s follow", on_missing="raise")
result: 10h45
